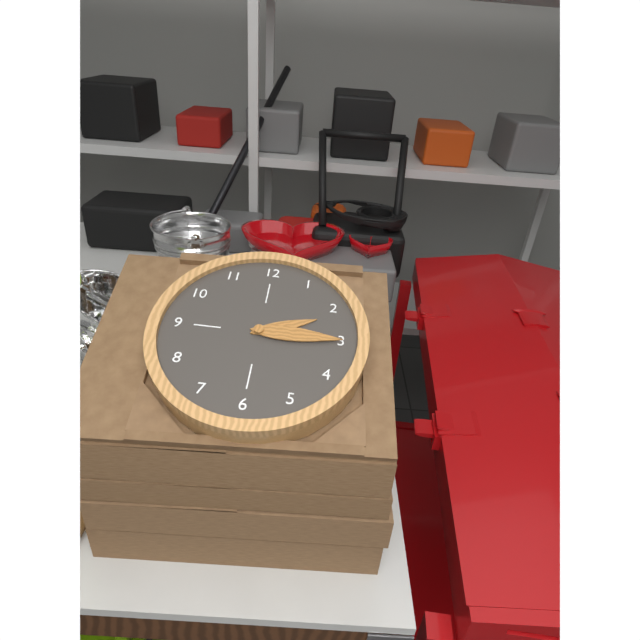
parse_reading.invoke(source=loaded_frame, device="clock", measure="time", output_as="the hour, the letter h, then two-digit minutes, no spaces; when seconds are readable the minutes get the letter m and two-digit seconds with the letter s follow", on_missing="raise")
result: 2h15
